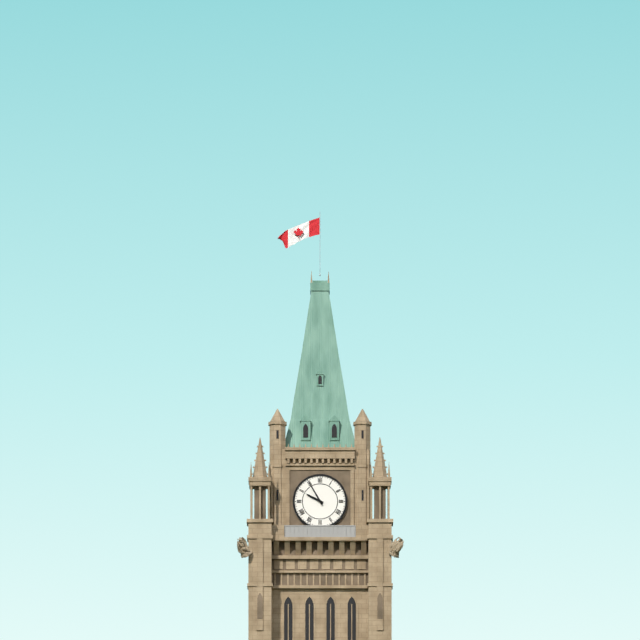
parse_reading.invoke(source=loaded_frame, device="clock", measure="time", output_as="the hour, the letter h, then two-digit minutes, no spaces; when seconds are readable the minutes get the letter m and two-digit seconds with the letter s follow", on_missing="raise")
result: 9h55
